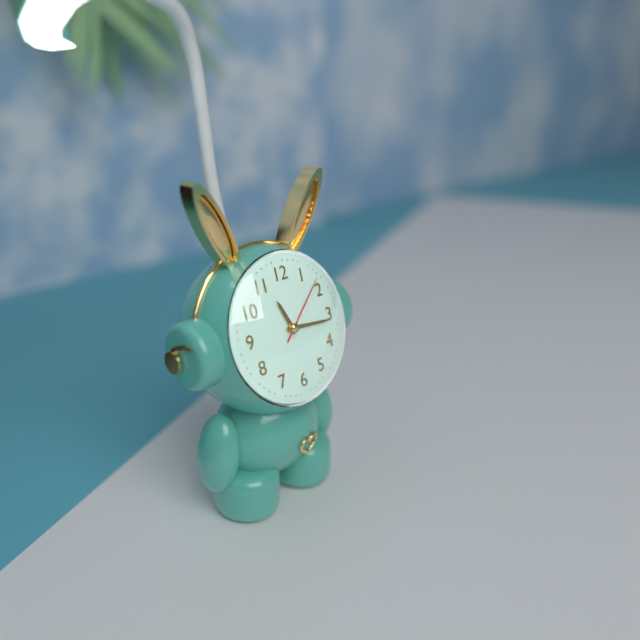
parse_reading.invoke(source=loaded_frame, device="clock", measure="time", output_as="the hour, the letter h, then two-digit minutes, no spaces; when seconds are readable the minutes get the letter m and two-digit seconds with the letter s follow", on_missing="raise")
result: 11h16m08s
